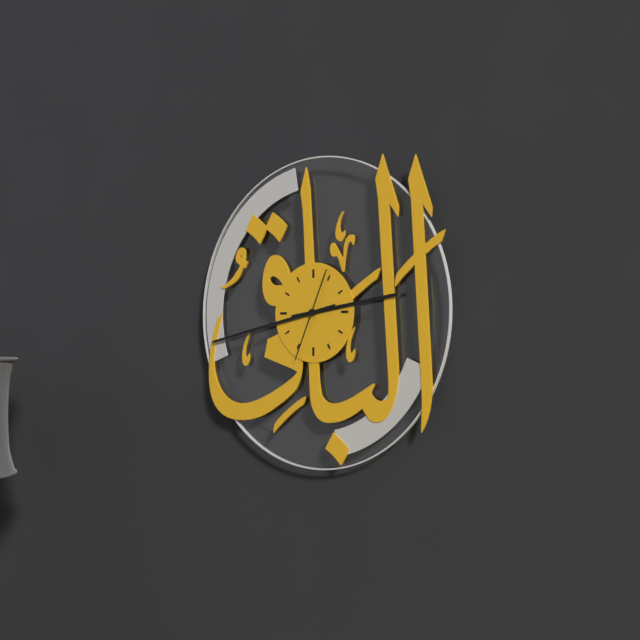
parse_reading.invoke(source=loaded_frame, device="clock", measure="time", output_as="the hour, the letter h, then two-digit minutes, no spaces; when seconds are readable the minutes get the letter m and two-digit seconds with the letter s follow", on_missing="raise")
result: 2h43m34s
